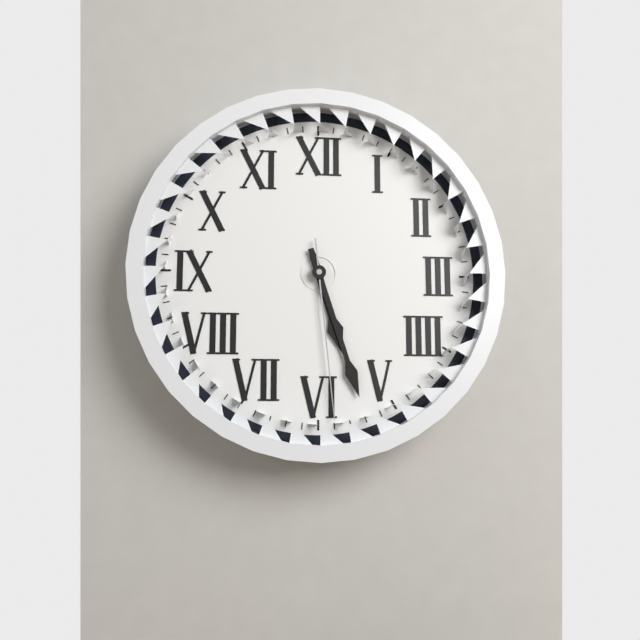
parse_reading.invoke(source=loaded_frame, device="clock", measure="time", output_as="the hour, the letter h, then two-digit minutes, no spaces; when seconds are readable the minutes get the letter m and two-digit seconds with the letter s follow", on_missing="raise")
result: 5h27m29s
